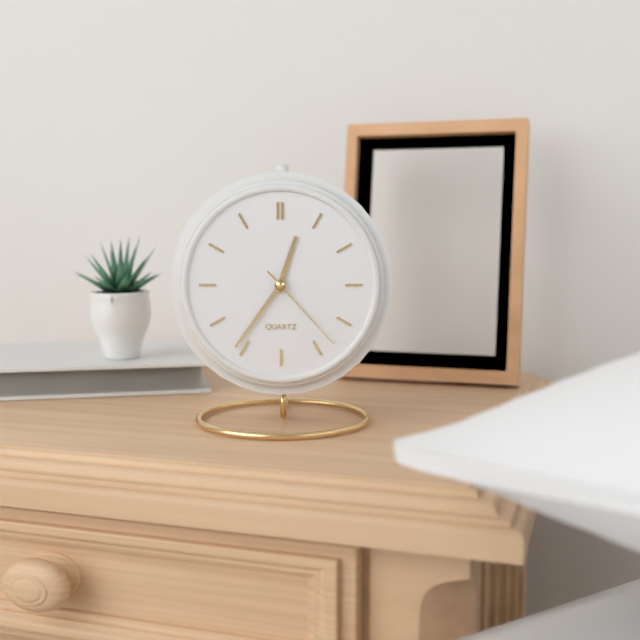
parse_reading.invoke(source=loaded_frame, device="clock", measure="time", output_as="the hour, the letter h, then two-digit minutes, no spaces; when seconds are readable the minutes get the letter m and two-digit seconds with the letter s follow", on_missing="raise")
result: 12h36m23s
